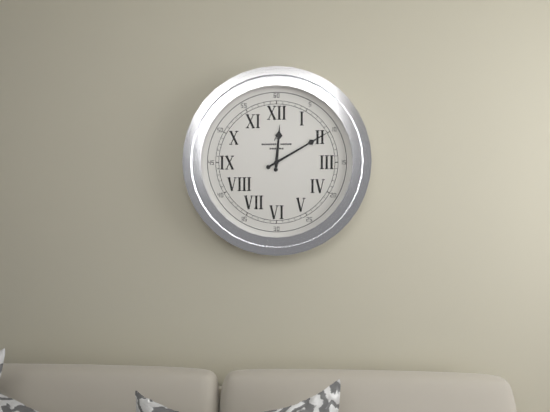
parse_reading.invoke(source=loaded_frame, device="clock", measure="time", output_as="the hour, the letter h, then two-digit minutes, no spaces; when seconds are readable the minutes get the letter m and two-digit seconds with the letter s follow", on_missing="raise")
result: 12h10
